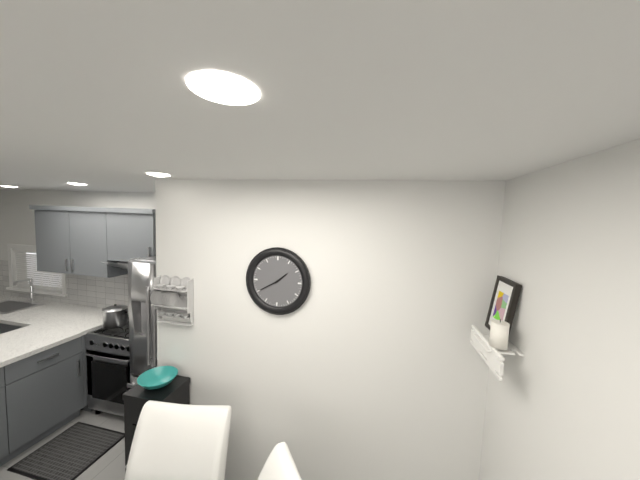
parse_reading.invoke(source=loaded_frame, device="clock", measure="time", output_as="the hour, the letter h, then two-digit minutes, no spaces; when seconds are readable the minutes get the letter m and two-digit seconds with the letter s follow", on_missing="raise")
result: 1h40
